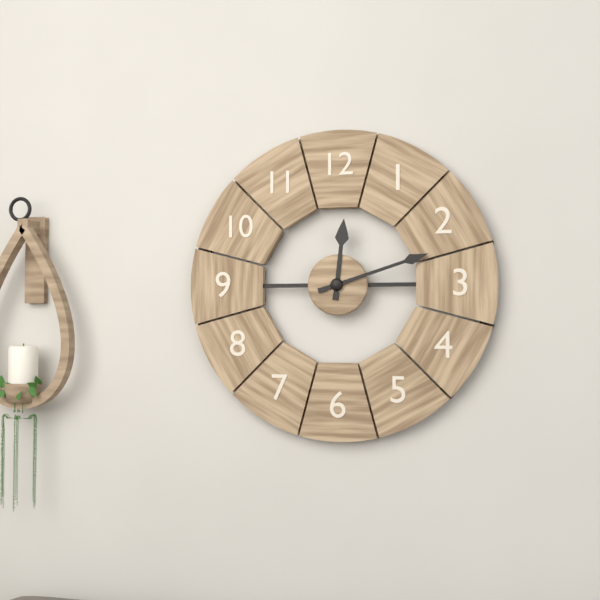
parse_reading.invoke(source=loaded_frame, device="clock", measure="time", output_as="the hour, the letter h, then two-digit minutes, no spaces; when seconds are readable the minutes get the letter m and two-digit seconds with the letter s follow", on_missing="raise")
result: 12h12
